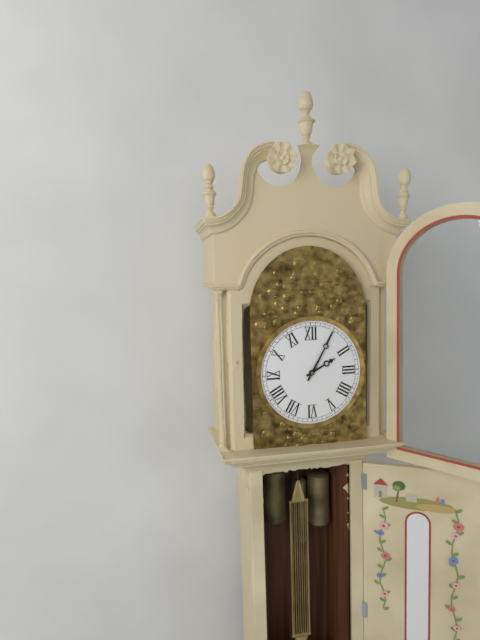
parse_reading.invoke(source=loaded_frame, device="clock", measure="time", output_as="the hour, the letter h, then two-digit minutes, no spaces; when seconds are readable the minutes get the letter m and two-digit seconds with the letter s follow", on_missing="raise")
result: 2h05
